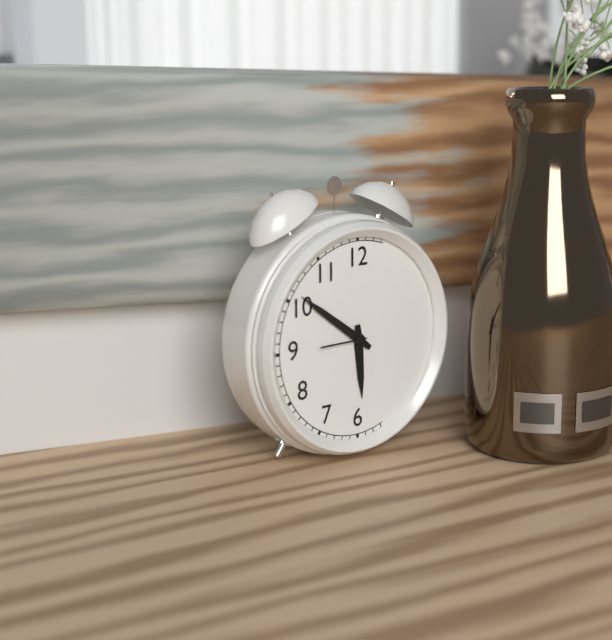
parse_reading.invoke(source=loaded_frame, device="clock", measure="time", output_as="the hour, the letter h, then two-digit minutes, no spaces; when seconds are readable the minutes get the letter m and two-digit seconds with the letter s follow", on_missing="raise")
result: 5h51
